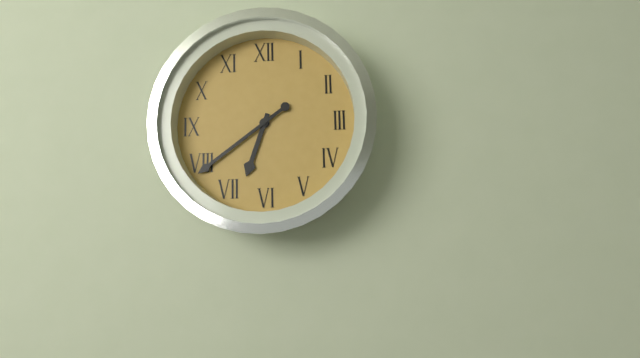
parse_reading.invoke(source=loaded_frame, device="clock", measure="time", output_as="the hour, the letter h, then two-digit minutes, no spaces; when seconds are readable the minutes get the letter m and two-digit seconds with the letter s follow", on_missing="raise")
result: 6h39
